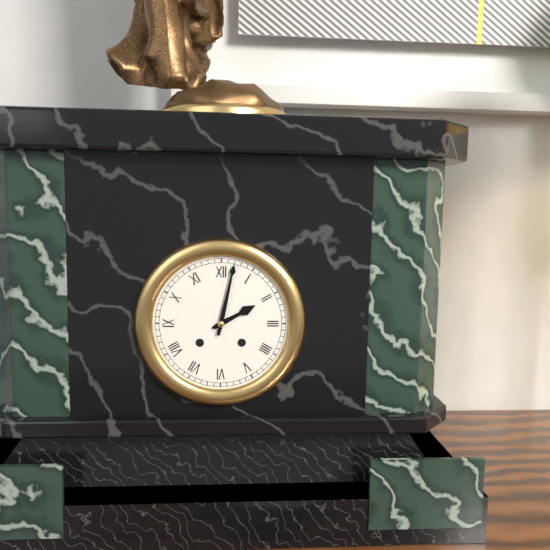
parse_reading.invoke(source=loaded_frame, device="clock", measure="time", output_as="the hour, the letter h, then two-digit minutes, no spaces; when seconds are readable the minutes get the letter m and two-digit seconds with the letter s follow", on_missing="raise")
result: 2h02
